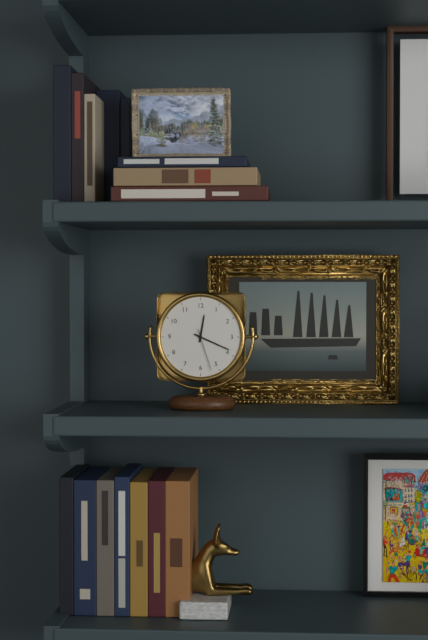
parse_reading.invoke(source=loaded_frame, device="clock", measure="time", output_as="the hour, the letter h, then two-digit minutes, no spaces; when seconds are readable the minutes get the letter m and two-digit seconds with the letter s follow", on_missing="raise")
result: 12h19
